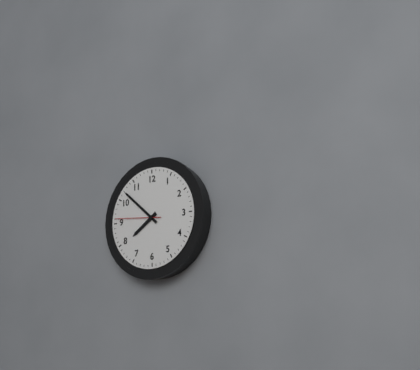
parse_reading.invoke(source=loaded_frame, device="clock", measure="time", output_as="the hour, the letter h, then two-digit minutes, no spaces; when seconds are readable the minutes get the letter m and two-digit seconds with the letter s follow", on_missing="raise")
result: 7h52
